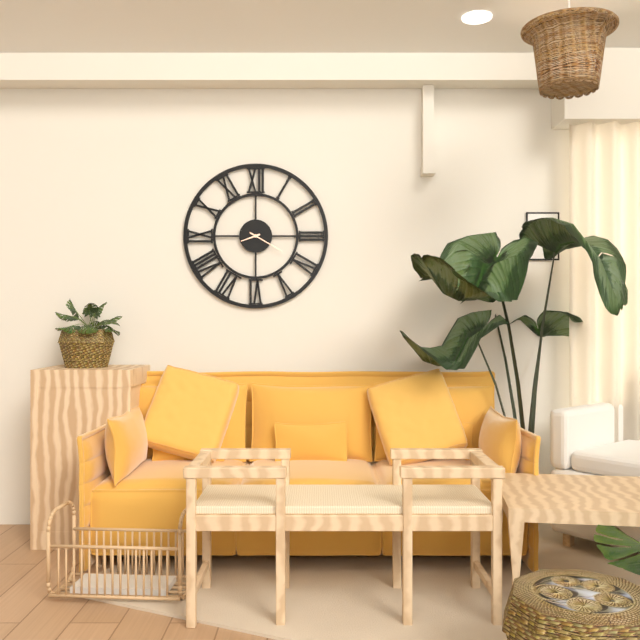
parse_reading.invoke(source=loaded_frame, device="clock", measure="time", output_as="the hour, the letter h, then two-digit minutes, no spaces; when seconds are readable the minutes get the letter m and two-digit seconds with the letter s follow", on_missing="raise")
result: 8h20
